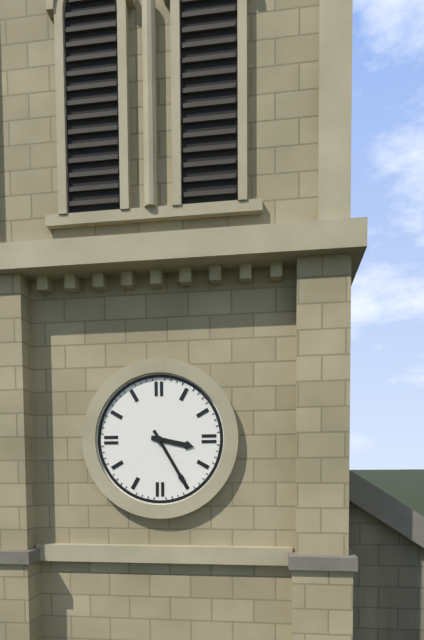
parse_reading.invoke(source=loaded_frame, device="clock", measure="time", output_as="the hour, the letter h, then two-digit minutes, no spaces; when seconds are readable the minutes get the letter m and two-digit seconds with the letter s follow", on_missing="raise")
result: 3h25
